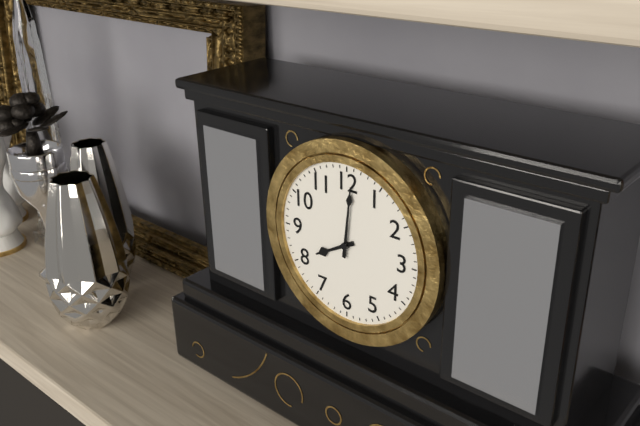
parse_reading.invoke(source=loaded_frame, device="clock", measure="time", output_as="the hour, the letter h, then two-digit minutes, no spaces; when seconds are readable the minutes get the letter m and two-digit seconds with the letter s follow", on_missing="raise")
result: 8h01
